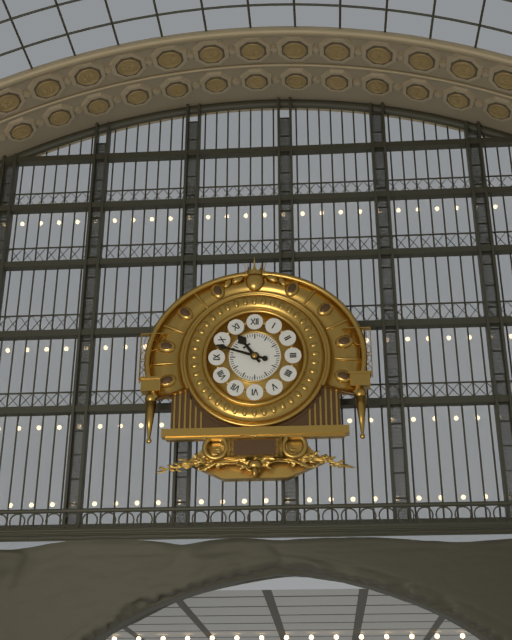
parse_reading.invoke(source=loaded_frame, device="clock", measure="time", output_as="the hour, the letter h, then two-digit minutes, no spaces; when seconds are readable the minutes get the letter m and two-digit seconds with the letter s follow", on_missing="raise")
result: 10h48
